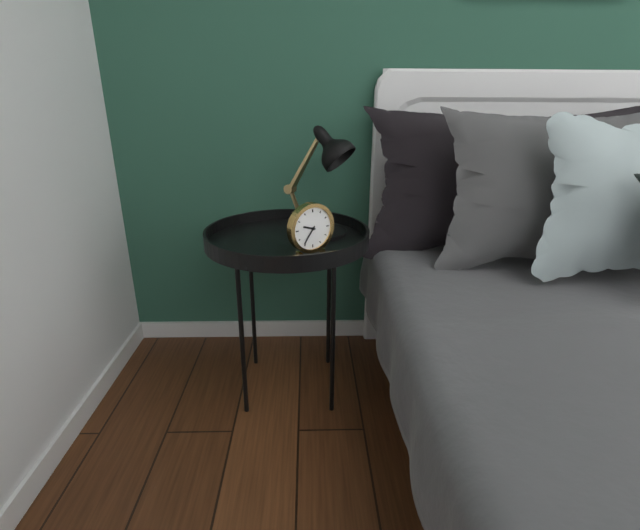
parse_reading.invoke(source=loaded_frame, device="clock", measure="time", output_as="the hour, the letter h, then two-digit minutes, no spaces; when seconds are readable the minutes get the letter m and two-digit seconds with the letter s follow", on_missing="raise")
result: 9h36
